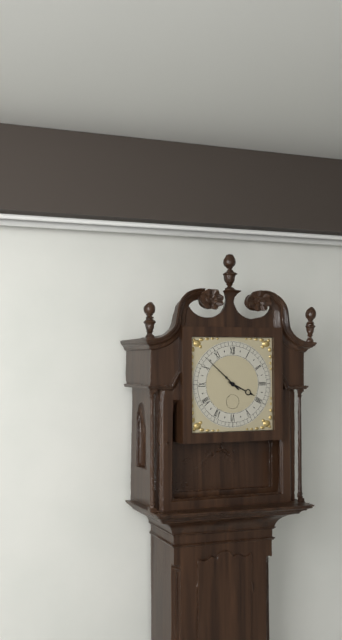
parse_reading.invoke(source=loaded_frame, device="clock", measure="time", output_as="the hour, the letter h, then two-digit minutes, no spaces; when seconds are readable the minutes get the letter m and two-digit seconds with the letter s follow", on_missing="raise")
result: 3h52
